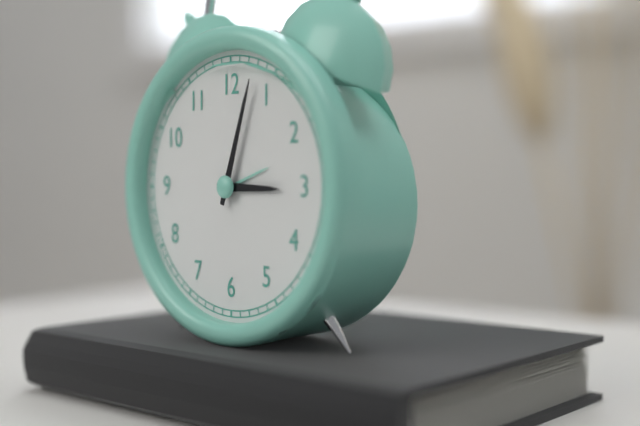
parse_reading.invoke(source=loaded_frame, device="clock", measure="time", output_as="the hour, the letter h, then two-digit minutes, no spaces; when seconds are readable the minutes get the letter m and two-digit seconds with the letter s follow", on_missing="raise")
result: 3h03
